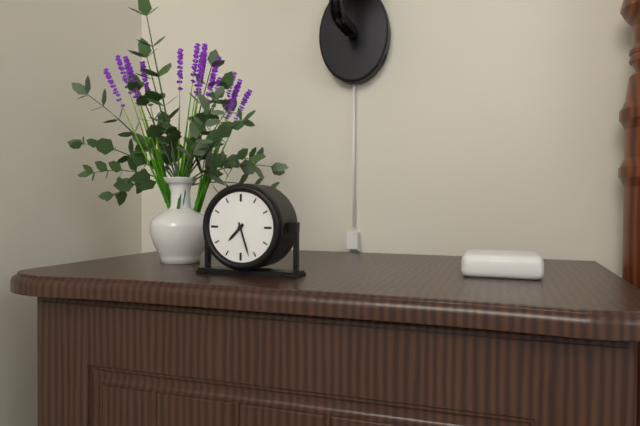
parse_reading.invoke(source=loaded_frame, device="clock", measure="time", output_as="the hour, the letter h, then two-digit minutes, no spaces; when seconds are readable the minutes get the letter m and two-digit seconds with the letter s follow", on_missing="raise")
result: 7h27
